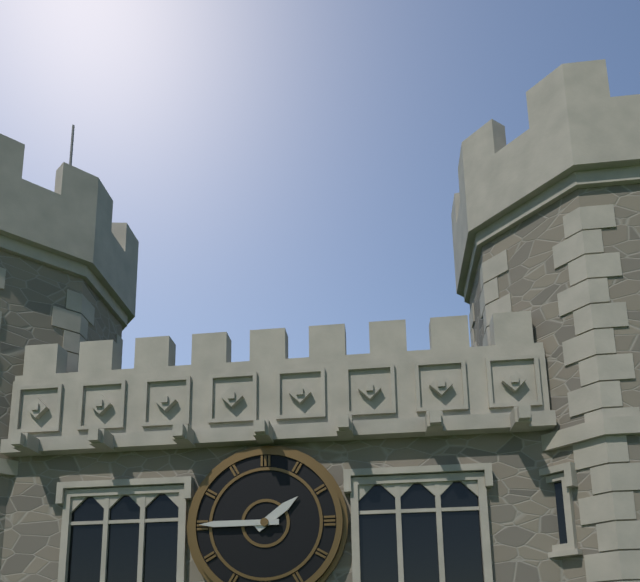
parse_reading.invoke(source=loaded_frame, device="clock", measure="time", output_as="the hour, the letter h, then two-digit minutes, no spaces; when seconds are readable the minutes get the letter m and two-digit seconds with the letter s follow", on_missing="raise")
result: 1h45
